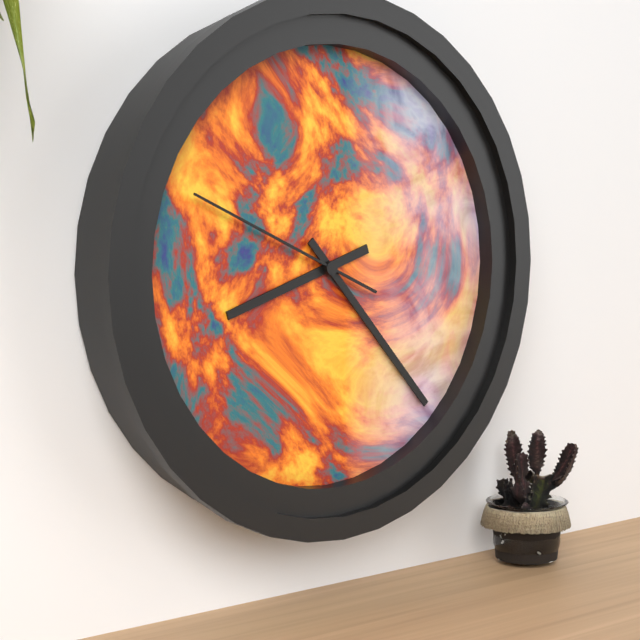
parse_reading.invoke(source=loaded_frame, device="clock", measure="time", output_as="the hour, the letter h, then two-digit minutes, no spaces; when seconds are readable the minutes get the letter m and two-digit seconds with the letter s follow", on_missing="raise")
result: 8h23m49s
